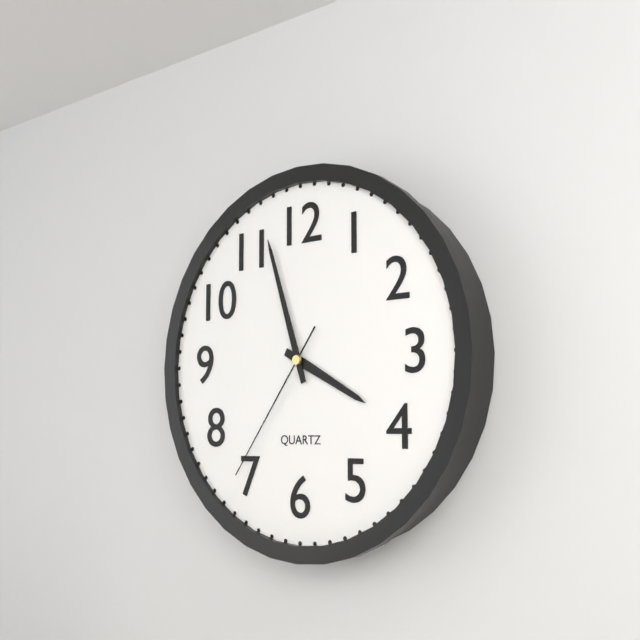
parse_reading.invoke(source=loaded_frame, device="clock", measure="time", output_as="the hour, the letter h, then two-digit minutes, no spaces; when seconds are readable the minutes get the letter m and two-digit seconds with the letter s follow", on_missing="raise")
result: 3h57m36s
